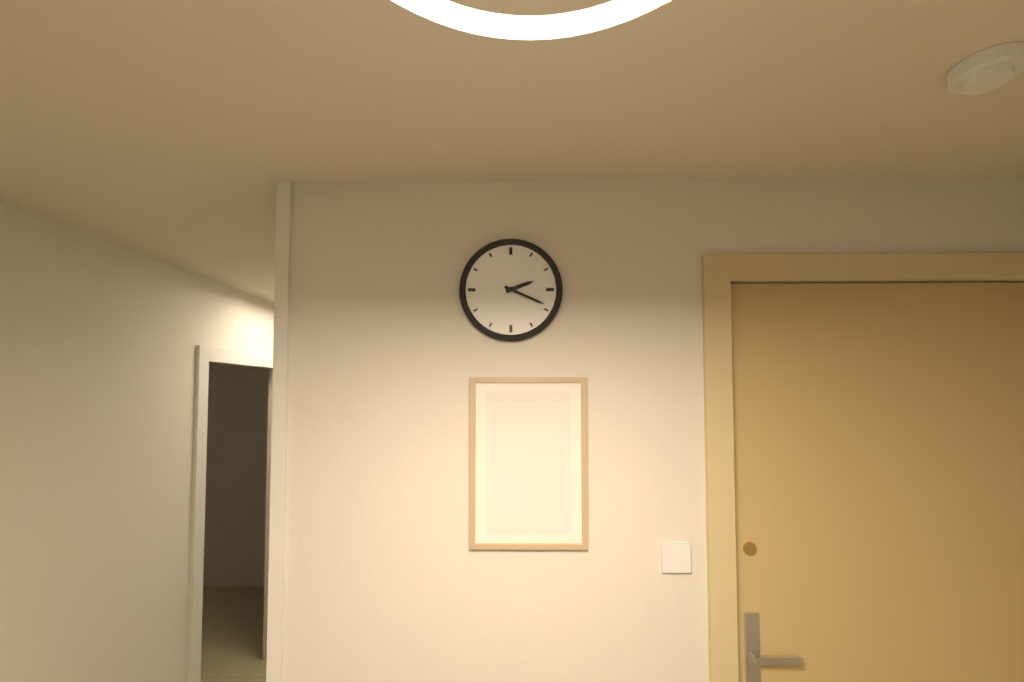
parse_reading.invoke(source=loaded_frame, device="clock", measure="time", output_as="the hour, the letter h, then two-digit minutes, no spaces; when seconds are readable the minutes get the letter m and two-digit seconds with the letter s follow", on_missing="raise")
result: 2h19
